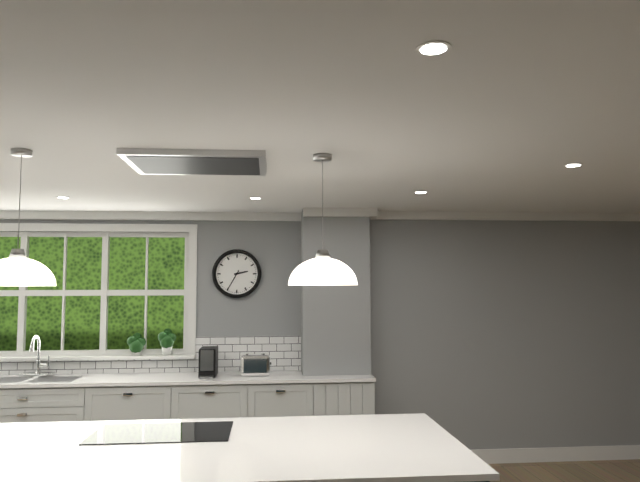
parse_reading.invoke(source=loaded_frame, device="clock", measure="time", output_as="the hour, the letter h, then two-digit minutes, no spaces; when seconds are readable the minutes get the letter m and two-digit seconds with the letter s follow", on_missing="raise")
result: 2h35
